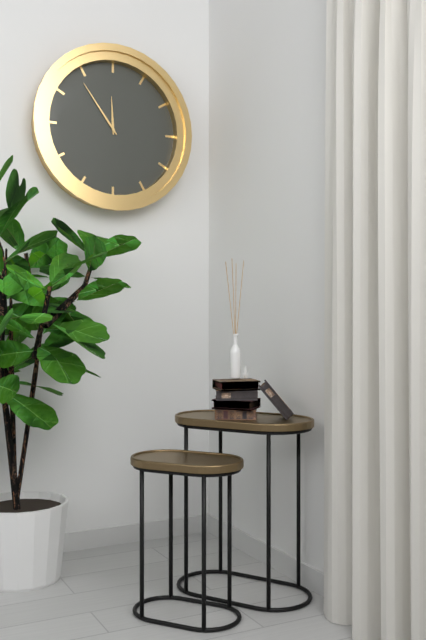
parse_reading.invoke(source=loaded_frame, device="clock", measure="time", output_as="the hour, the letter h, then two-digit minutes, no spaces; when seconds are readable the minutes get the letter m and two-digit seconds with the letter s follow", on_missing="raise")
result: 11h54
